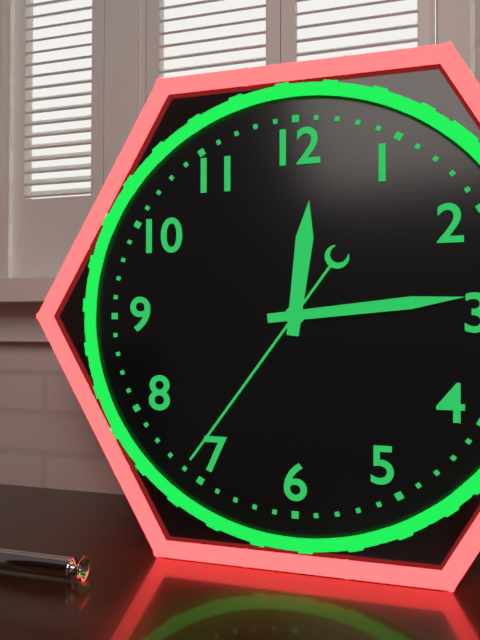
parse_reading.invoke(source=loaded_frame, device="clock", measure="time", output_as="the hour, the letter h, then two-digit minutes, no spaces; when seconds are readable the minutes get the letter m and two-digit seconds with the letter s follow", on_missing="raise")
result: 12h14m36s
